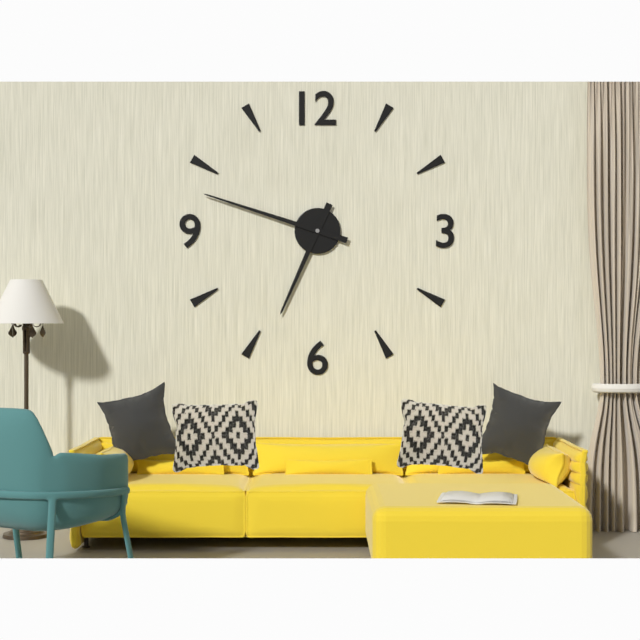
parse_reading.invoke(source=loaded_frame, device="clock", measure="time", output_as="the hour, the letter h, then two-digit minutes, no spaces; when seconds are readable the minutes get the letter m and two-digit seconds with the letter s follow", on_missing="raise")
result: 6h48
